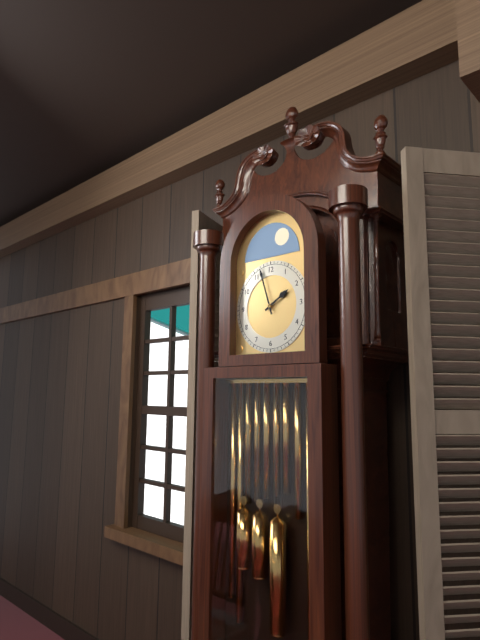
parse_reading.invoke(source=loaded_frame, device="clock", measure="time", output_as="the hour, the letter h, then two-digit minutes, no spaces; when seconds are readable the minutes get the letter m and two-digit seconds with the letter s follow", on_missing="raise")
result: 1h57
